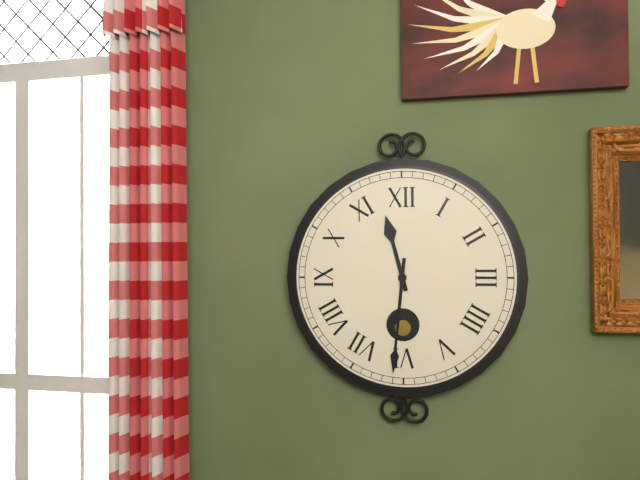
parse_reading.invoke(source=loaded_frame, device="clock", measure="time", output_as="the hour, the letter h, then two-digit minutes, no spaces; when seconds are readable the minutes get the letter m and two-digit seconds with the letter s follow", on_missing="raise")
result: 11h31
